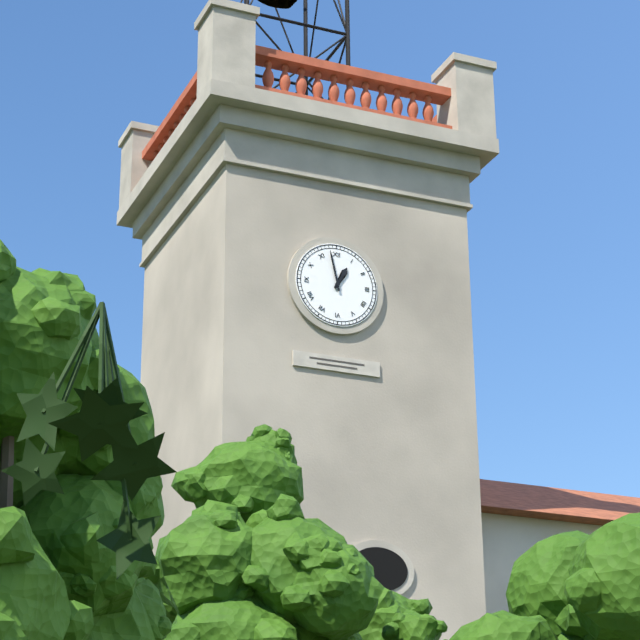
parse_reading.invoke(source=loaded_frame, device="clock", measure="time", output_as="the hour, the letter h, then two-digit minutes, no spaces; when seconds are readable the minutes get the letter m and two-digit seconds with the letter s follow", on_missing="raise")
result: 12h58
